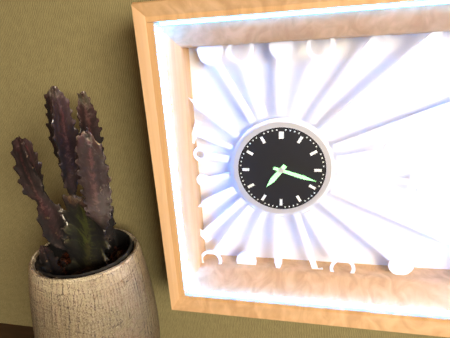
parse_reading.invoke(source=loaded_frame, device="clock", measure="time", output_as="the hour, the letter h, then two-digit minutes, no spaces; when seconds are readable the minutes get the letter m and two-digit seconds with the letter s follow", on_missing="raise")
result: 7h18
